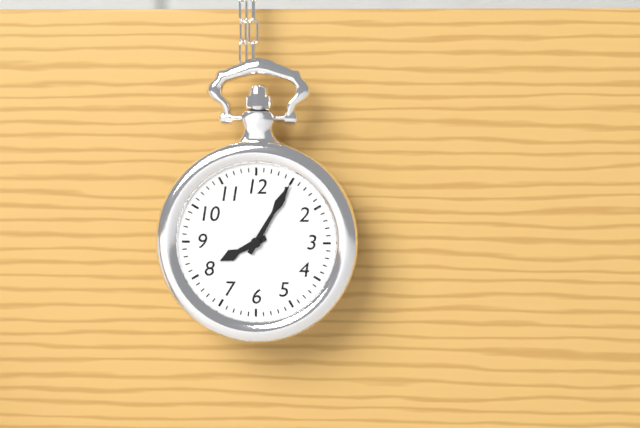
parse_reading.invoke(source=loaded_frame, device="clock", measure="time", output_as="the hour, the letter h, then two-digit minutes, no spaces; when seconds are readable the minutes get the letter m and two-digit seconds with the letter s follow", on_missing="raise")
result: 8h05
